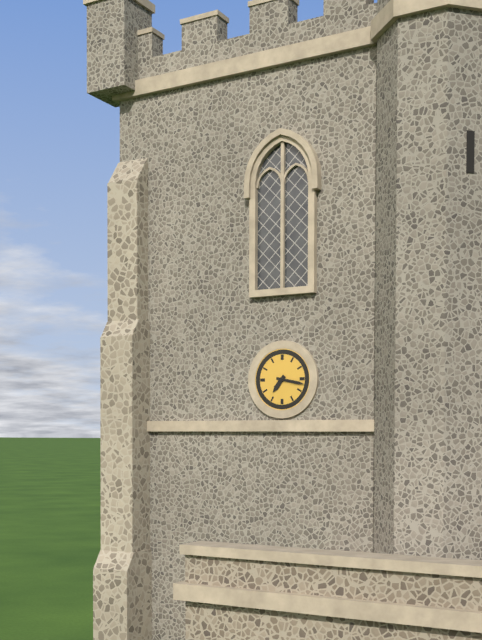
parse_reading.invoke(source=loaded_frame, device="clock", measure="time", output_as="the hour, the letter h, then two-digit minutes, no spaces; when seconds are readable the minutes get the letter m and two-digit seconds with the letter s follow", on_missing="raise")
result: 7h17
